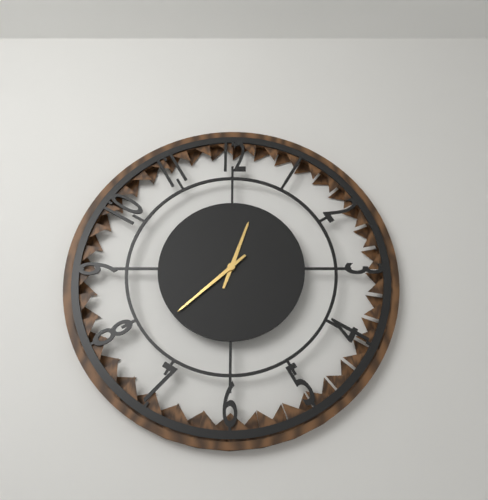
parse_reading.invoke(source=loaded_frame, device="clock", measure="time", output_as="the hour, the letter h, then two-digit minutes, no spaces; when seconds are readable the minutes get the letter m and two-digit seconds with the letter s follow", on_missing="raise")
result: 12h38
